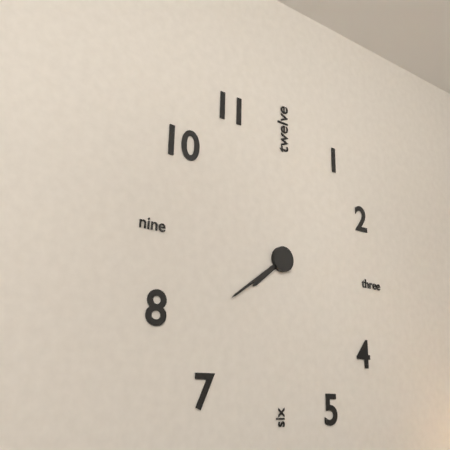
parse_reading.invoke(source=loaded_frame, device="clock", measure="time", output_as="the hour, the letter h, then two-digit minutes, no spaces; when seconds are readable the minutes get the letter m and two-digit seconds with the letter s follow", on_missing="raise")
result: 7h39
